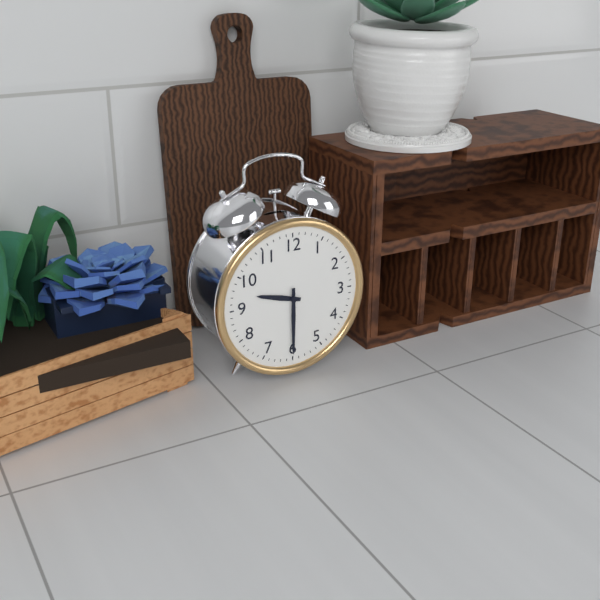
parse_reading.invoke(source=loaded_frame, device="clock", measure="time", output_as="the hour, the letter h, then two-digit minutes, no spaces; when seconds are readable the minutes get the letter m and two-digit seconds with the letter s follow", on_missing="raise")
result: 9h30
